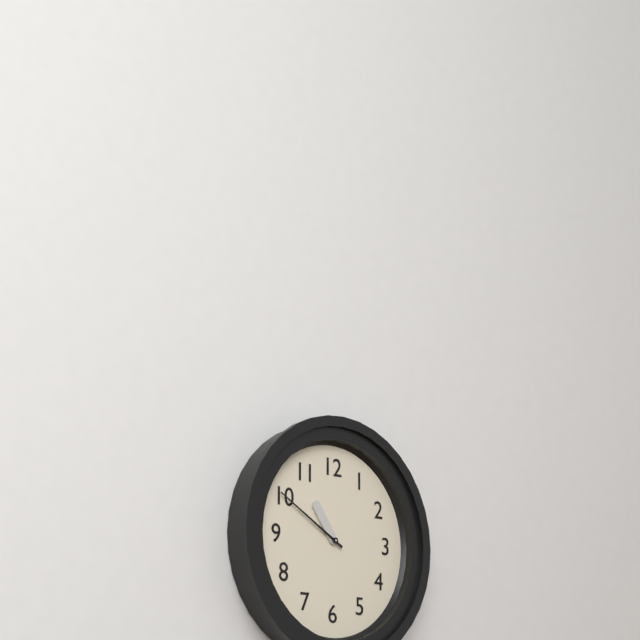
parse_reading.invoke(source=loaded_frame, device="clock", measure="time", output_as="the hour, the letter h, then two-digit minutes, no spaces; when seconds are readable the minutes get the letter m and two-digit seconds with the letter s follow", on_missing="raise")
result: 10h50
